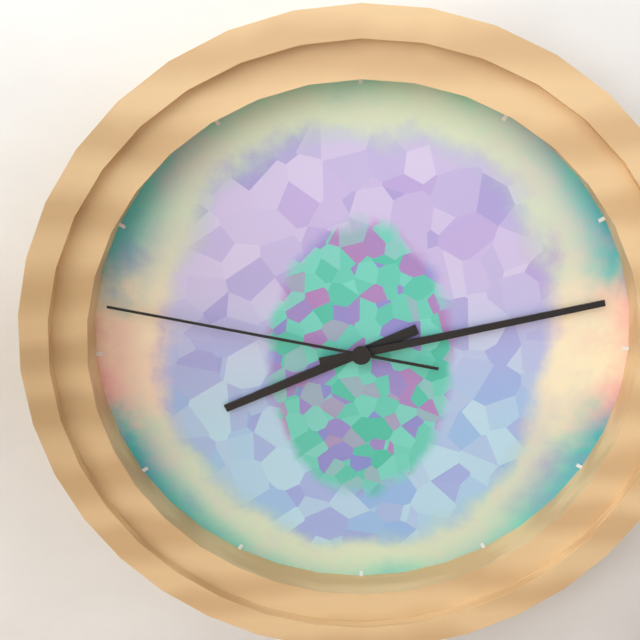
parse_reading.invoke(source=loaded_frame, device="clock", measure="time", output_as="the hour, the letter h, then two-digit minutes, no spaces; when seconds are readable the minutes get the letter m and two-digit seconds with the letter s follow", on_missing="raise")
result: 8h13m47s
